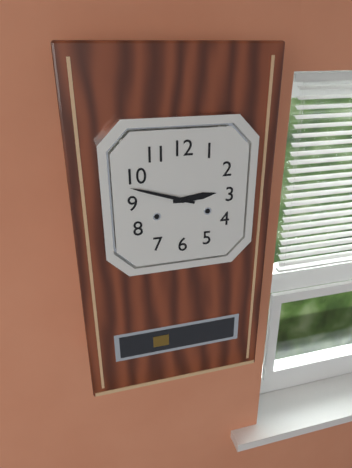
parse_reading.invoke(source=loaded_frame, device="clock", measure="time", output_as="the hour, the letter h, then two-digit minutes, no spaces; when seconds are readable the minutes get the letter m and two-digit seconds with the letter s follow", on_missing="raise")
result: 2h48
